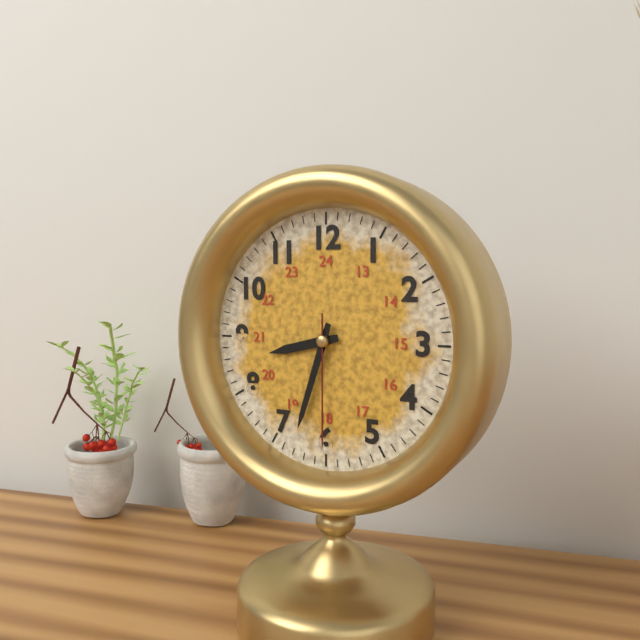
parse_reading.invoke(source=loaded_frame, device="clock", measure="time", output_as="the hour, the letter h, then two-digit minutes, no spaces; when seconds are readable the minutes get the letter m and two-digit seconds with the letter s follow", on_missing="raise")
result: 8h33m30s
